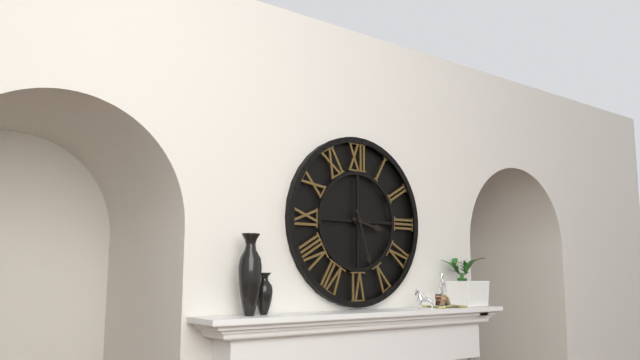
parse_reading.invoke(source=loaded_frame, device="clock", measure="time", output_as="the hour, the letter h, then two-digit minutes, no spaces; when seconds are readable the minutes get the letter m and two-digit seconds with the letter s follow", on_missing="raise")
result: 3h27
